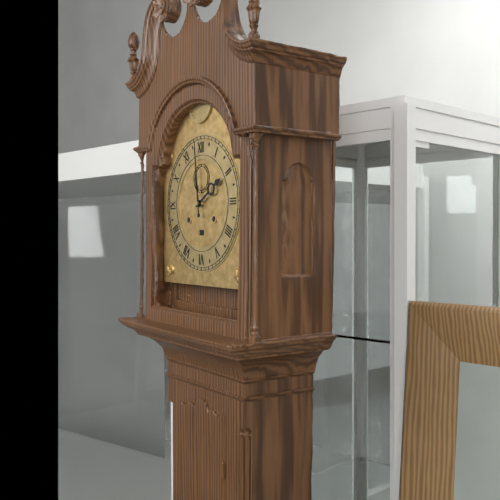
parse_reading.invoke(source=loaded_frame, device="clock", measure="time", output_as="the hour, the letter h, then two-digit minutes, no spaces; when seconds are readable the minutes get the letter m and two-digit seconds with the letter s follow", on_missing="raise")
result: 1h59
